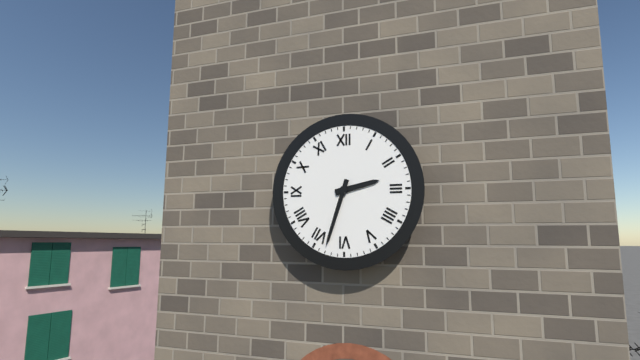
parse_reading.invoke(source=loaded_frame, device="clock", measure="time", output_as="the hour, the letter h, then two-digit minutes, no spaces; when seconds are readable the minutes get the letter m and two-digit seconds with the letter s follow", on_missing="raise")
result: 2h33
